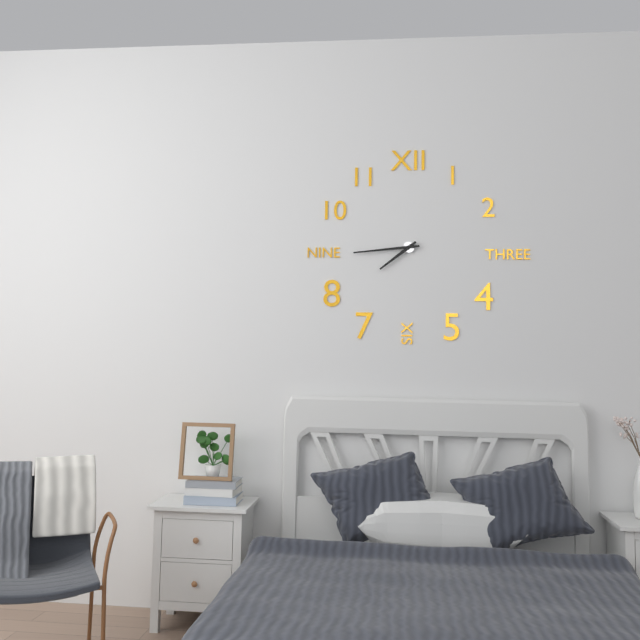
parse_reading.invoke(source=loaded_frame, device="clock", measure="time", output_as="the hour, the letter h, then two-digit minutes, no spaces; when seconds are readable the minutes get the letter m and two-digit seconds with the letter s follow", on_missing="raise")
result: 7h44
